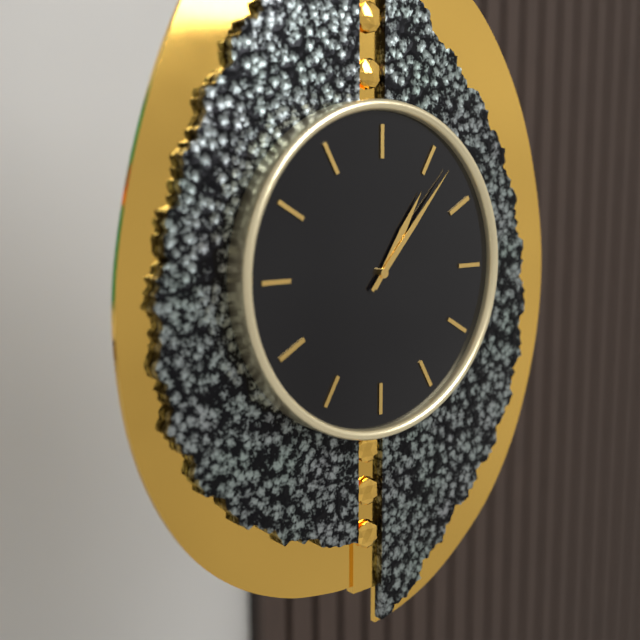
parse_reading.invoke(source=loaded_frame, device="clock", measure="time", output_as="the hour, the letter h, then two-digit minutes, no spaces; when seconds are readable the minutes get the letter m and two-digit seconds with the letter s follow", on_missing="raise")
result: 1h07
